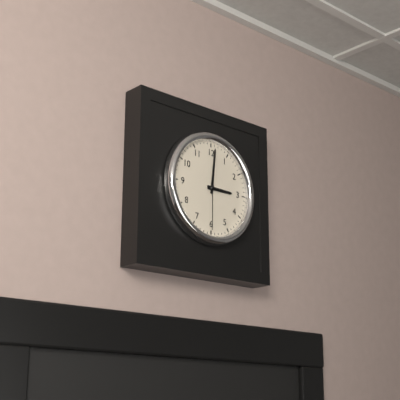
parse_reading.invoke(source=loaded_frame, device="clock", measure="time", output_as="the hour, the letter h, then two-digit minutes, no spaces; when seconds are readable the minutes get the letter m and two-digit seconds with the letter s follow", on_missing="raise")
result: 3h01m30s
